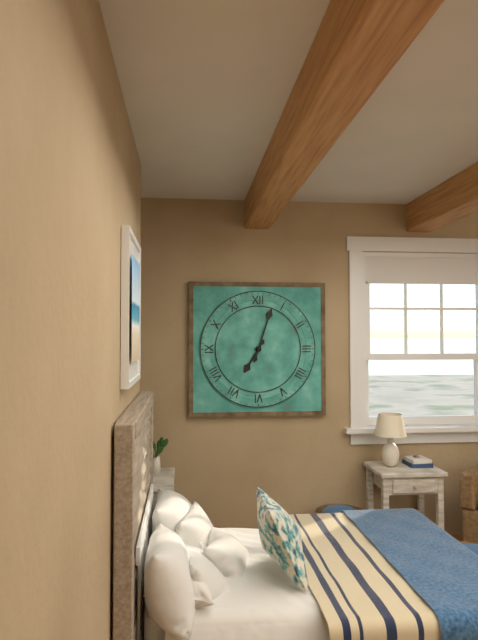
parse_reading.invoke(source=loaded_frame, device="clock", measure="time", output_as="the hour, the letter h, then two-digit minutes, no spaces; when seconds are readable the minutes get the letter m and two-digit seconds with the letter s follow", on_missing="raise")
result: 7h03
